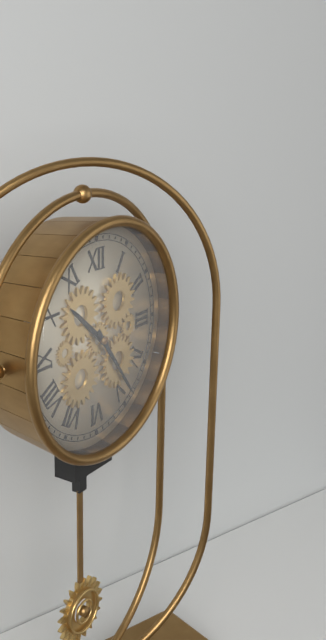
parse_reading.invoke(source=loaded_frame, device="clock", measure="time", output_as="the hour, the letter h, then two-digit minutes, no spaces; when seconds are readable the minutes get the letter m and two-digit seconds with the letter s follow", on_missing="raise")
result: 10h24
